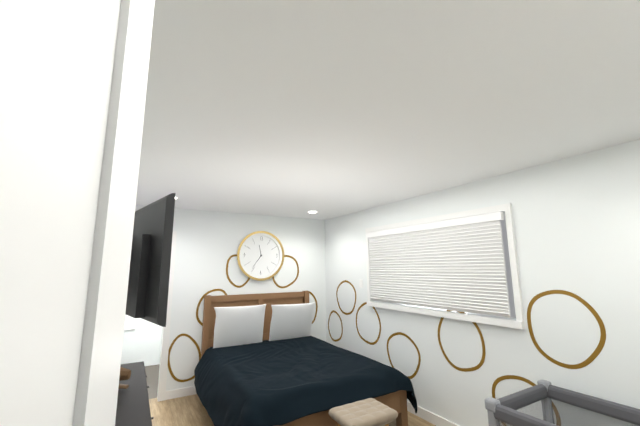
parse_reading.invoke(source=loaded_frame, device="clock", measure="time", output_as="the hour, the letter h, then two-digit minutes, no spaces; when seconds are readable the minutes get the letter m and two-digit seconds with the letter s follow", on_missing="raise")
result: 11h36
